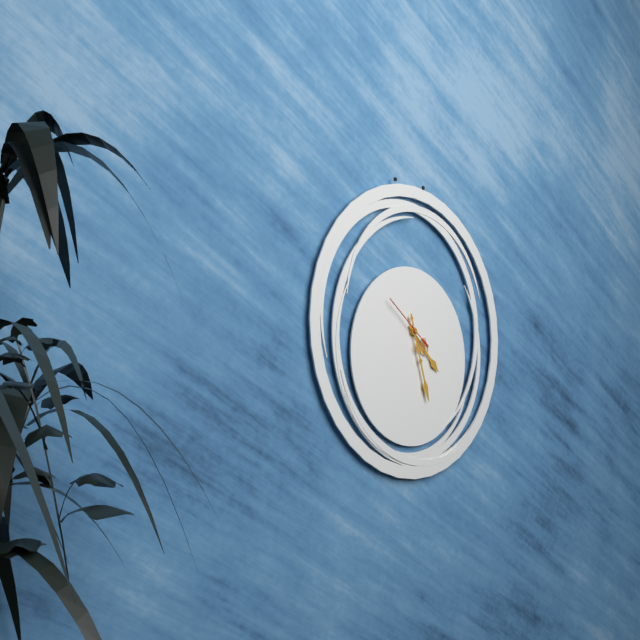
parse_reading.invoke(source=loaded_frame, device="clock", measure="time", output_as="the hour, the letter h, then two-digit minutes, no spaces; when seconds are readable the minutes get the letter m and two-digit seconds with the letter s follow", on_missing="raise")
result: 4h27
